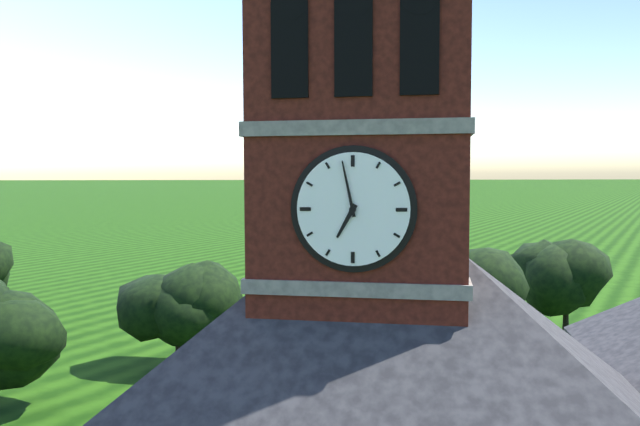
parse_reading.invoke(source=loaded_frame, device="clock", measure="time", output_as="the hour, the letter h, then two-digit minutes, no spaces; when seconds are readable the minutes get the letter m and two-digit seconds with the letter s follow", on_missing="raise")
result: 6h58
